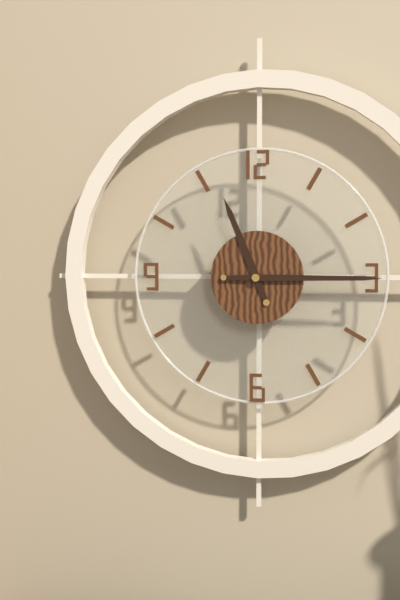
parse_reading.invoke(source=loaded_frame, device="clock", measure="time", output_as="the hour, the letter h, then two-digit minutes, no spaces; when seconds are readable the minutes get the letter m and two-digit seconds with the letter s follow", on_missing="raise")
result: 11h15
